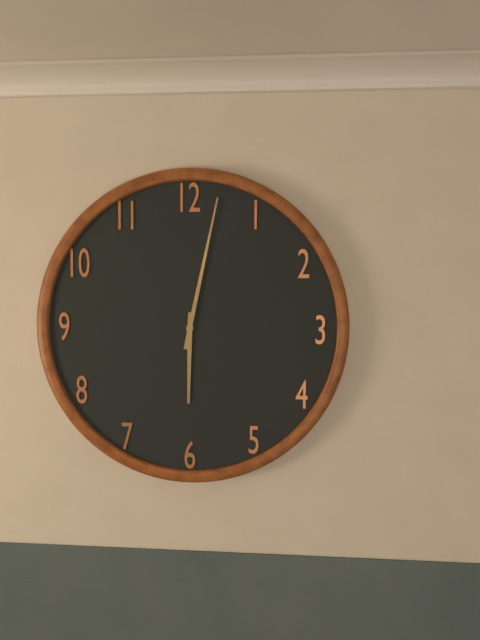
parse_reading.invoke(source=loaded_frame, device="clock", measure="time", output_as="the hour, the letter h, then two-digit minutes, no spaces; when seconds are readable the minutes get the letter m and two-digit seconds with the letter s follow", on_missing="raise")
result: 6h02
